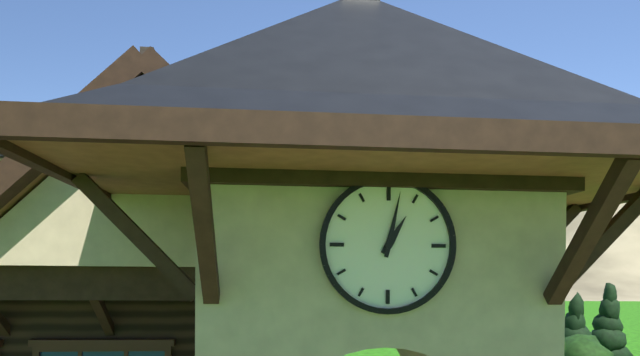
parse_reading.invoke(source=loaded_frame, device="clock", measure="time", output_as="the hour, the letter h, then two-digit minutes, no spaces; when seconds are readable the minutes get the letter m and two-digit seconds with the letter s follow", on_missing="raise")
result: 1h02
